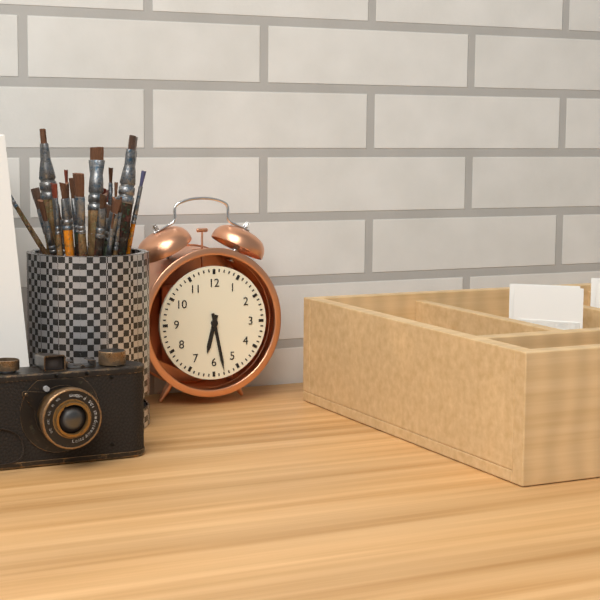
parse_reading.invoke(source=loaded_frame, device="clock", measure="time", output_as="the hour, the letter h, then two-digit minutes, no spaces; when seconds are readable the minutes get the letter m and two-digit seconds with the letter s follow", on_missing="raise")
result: 6h28
